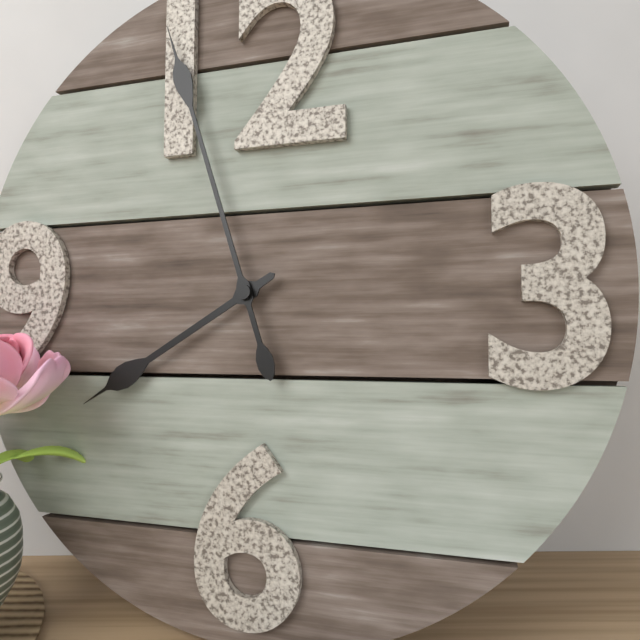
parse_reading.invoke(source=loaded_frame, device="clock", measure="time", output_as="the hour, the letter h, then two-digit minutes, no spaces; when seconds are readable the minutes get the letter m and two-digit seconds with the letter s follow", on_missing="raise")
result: 7h57
